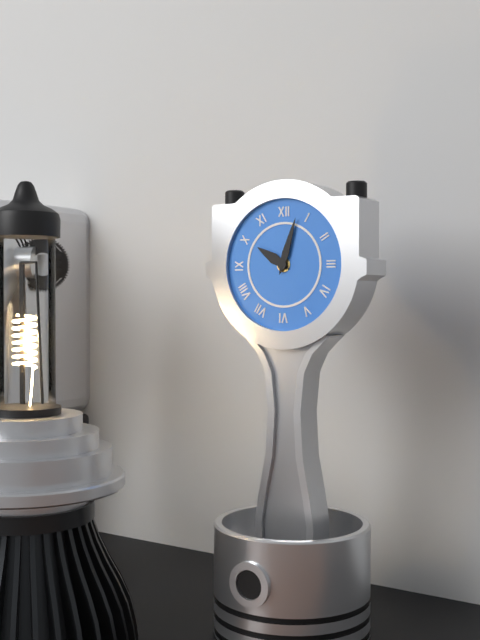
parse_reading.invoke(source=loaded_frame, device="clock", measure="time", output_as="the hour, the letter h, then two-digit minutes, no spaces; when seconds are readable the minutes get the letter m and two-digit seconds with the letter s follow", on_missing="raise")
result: 10h03
